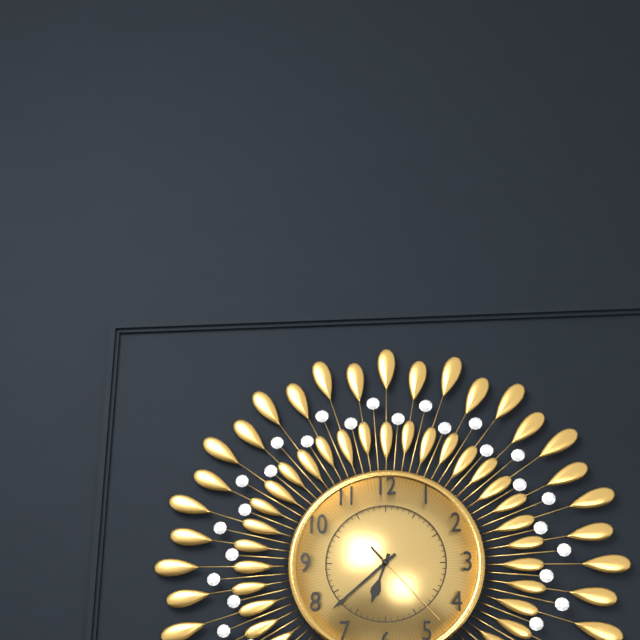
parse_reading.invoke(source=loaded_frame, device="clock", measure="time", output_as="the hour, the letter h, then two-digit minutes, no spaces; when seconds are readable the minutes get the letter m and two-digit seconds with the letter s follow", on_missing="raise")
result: 6h38m23s
